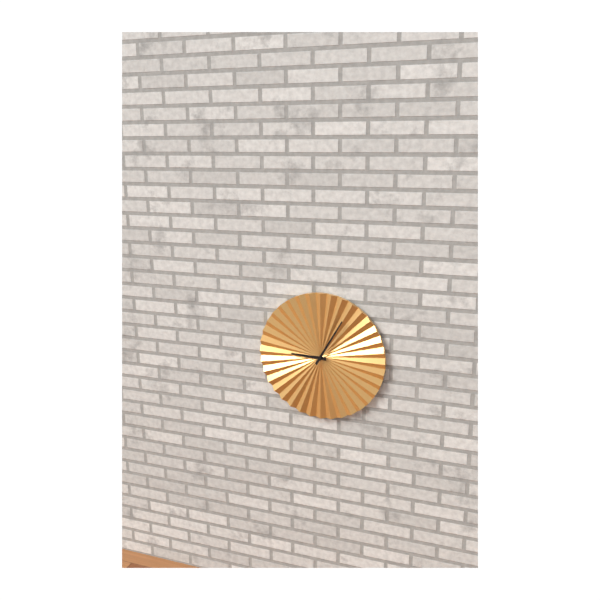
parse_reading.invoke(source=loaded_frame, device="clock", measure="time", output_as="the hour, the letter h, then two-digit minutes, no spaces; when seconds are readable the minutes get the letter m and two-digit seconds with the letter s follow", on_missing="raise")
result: 9h05
